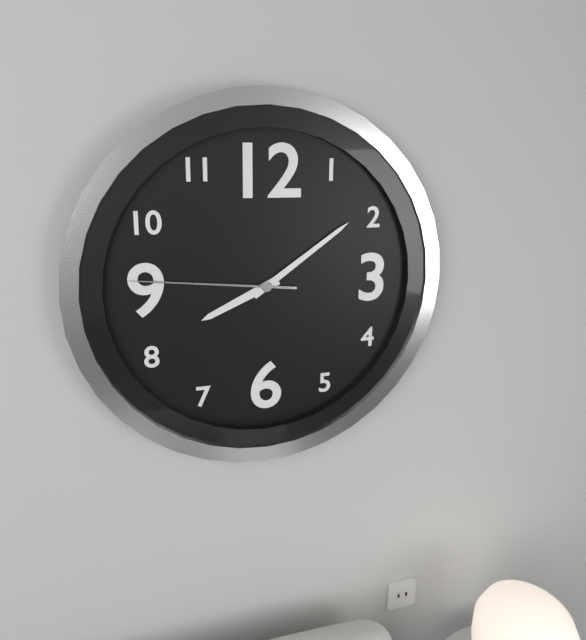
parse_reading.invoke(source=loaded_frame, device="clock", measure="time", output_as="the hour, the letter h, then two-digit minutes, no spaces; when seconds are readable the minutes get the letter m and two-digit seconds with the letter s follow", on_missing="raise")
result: 8h09m46s
